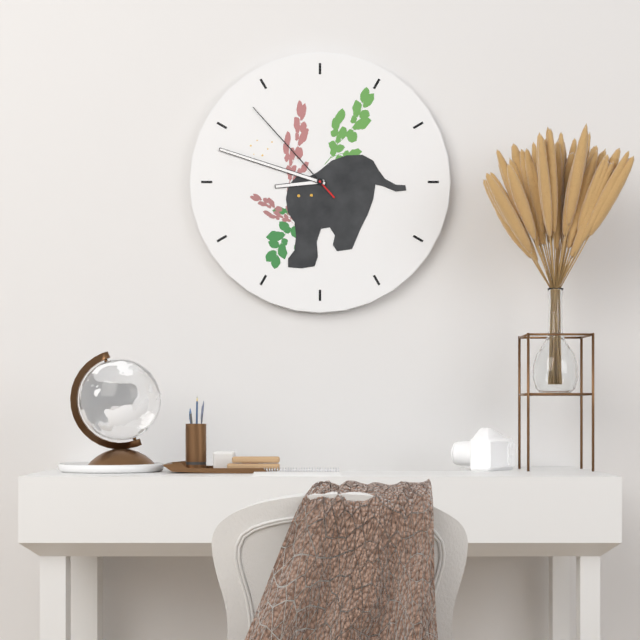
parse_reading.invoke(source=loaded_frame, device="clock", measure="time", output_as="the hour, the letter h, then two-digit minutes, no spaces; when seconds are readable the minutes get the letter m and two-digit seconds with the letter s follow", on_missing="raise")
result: 8h48m53s
